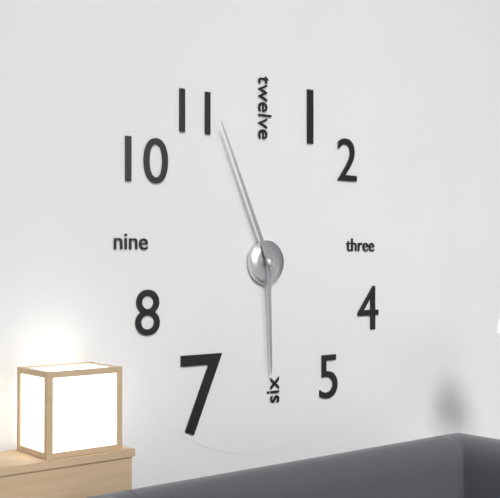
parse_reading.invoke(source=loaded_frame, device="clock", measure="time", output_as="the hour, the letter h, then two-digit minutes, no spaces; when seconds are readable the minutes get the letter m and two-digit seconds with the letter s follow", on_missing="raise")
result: 5h56
